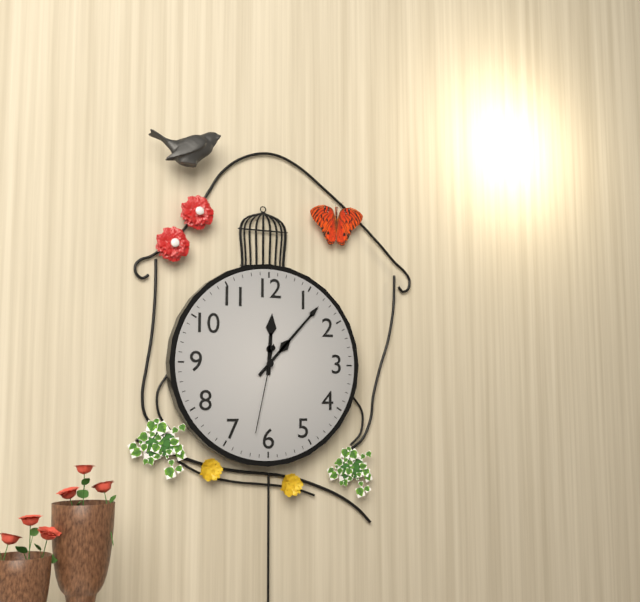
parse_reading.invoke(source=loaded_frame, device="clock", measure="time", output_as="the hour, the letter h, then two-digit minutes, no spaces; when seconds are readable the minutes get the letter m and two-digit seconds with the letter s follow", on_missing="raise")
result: 12h07m32s
